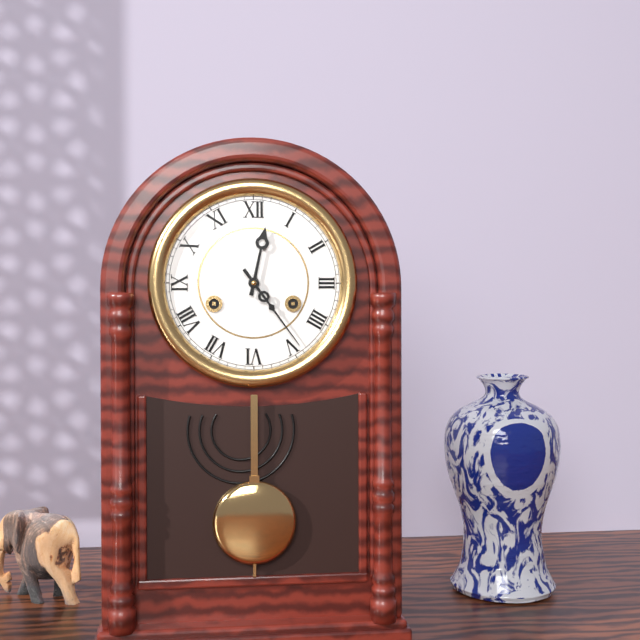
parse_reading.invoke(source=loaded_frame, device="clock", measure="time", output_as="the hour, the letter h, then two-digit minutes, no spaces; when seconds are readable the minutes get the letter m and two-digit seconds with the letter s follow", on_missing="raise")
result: 12h24
